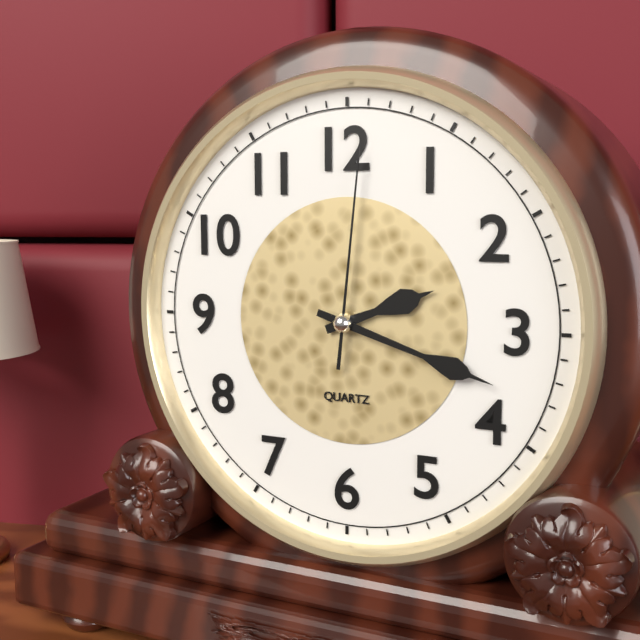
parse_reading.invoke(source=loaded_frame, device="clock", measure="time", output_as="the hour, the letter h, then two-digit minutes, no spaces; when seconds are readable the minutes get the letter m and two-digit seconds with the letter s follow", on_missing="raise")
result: 2h18m01s
